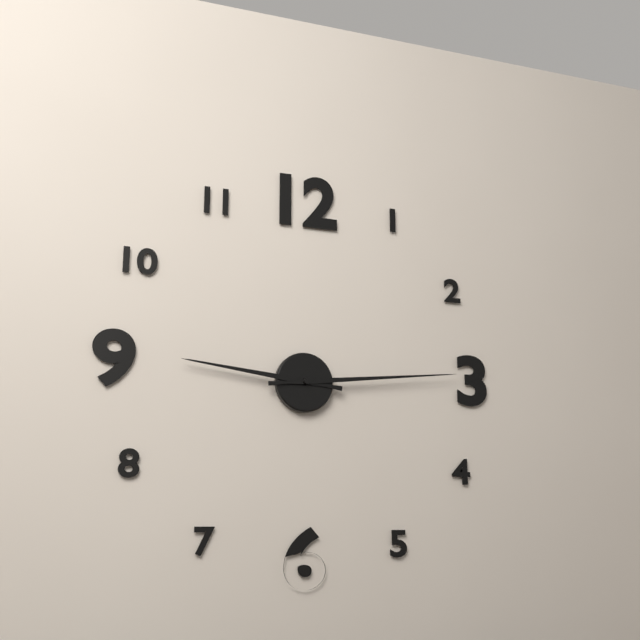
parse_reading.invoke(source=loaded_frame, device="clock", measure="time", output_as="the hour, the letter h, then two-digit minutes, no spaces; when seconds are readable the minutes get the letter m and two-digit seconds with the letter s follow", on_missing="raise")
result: 9h14
